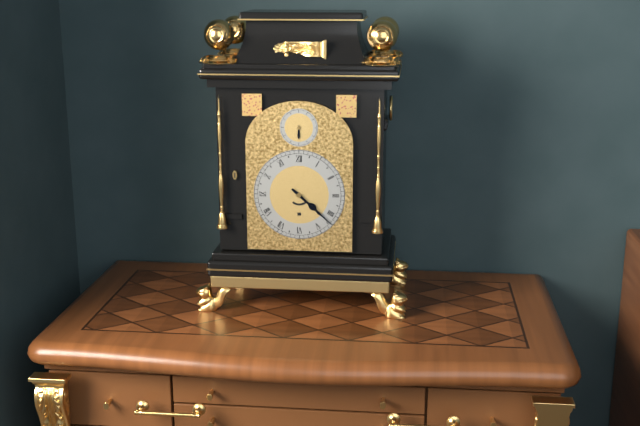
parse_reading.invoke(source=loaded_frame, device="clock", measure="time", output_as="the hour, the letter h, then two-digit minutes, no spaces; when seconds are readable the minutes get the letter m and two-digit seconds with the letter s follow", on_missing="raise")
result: 4h22
